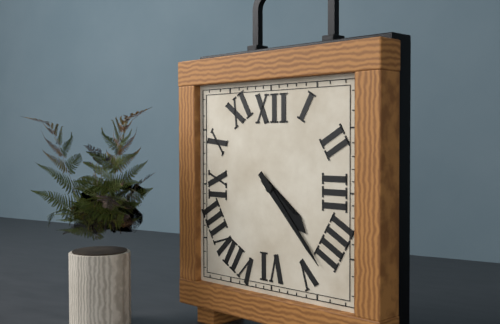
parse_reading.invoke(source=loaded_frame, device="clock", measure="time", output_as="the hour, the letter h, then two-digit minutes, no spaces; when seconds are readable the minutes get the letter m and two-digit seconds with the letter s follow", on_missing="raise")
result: 4h23
